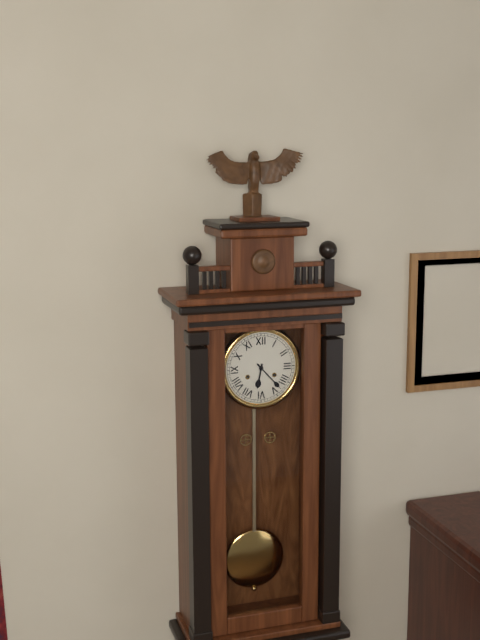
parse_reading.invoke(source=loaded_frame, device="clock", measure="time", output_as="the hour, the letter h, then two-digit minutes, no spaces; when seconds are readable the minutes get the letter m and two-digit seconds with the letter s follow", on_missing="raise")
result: 6h23
